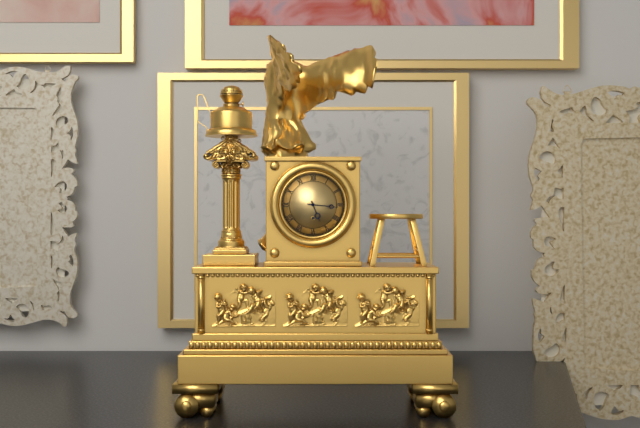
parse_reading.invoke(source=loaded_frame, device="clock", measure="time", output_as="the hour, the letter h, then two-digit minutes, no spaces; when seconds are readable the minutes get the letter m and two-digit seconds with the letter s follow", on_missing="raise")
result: 5h16
